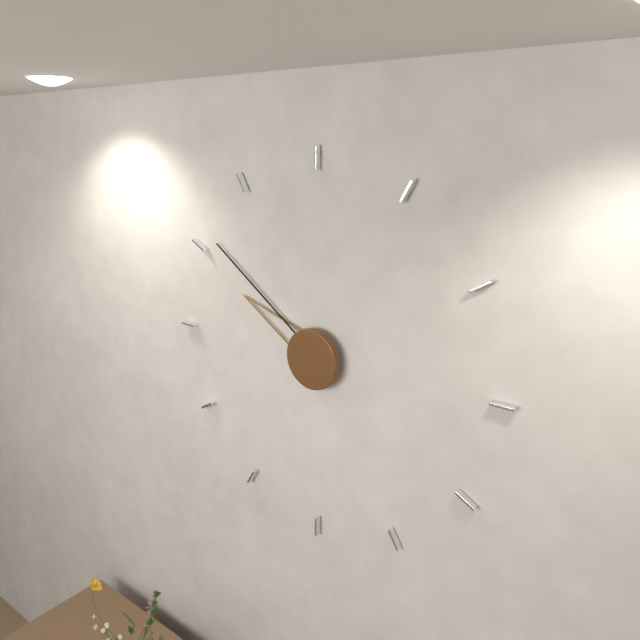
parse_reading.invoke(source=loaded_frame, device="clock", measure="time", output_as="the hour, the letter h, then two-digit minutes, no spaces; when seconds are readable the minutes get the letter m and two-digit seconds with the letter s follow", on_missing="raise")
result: 9h51
